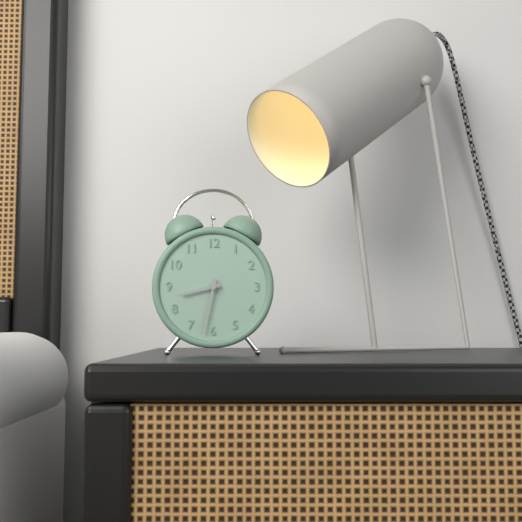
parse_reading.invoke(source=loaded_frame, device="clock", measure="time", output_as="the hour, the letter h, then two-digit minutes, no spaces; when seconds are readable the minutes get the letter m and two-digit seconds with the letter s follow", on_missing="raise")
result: 8h32
